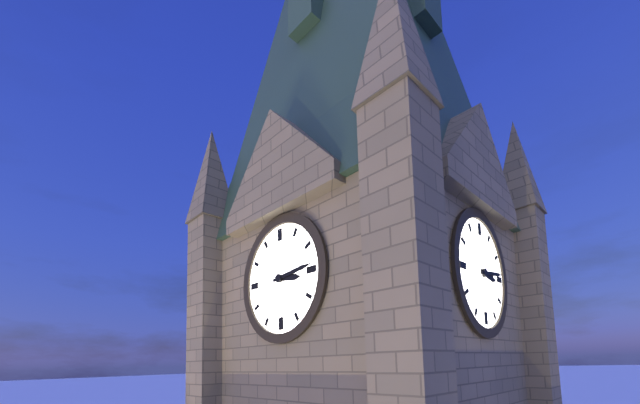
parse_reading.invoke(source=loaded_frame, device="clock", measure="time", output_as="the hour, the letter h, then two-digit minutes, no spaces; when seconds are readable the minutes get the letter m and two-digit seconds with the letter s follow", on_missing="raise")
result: 3h14
